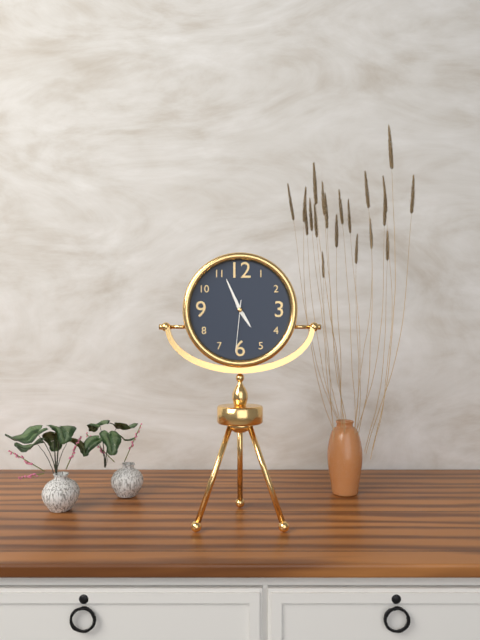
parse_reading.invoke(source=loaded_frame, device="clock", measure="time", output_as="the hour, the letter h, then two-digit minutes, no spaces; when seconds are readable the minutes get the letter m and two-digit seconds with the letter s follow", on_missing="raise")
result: 4h56m31s
